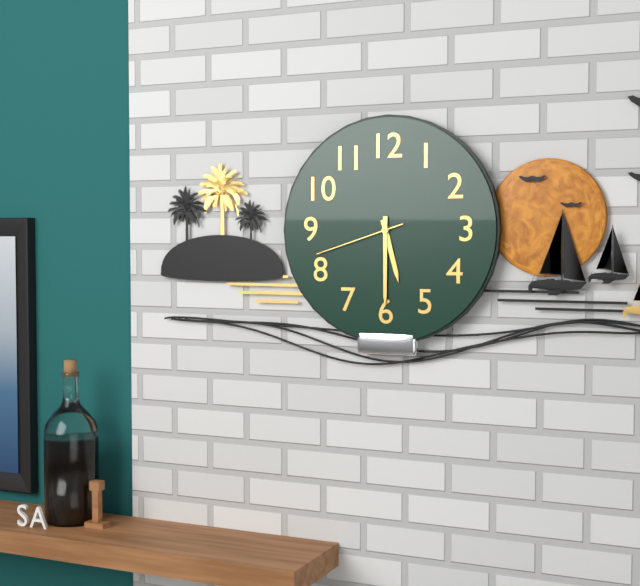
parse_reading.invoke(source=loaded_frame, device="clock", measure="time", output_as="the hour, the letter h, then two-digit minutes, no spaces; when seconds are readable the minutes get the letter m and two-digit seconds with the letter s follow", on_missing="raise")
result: 5h30m42s
